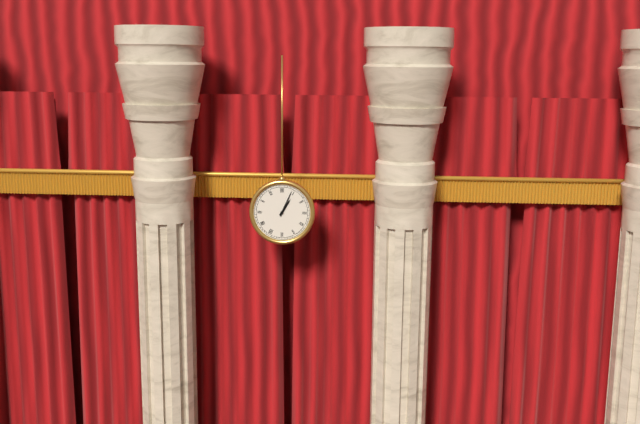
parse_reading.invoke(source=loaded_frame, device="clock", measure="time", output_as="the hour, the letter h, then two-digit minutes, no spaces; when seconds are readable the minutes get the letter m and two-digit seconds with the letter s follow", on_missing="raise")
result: 1h04
